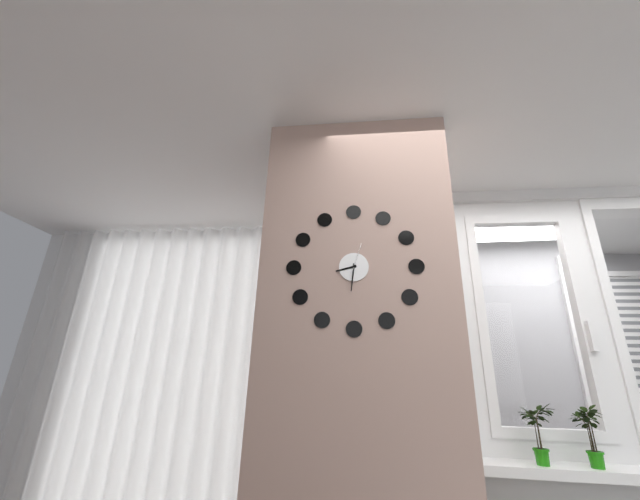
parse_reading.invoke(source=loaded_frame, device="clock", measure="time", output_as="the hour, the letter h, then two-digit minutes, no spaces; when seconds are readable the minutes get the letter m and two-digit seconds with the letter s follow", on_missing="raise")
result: 8h31
